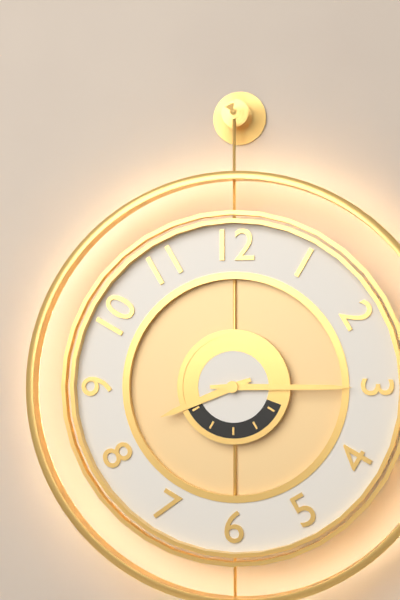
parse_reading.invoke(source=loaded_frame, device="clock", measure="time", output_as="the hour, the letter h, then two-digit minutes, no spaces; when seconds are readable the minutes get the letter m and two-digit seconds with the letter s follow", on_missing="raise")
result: 8h15
